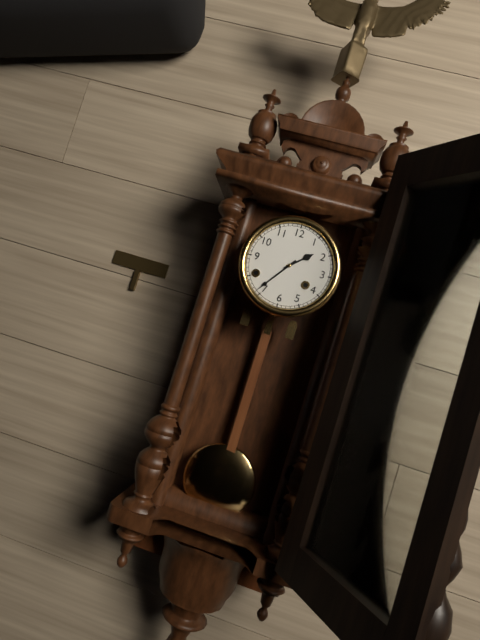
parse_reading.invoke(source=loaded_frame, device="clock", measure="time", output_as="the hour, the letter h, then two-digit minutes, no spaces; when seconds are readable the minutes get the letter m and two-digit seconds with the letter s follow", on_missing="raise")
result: 1h36
